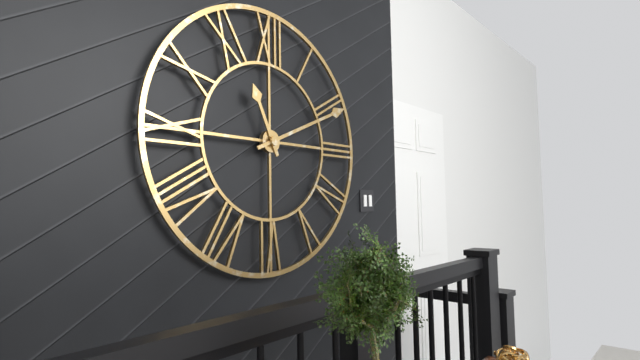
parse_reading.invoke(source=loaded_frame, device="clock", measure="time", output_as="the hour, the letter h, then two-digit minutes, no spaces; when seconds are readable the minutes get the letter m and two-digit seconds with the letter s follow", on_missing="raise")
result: 11h11
